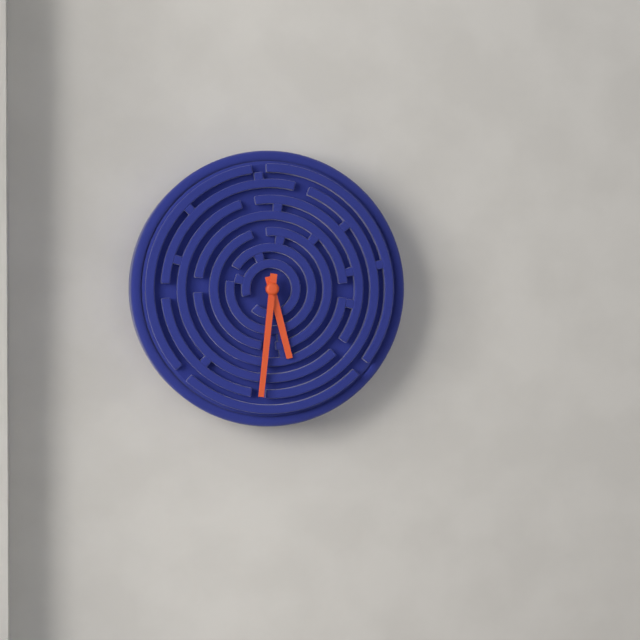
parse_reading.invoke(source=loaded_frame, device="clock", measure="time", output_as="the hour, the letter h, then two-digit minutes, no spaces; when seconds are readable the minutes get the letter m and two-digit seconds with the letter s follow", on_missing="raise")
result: 5h31
